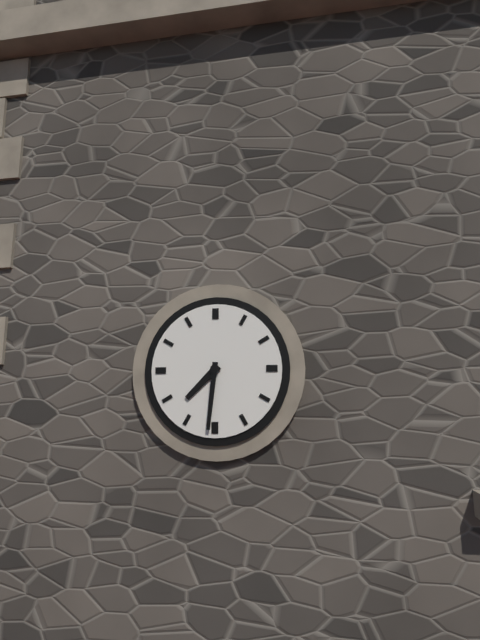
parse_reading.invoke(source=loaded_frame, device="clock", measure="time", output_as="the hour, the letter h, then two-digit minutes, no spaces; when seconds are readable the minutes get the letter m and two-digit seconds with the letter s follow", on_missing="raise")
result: 7h31
